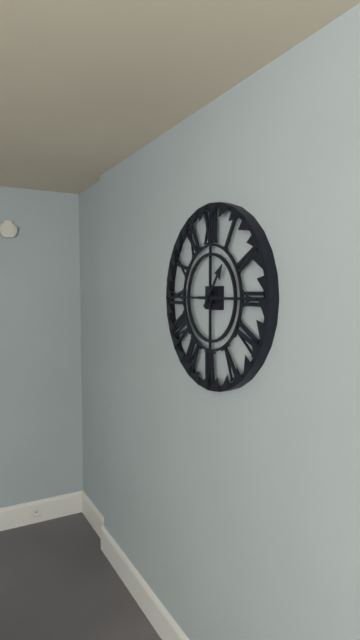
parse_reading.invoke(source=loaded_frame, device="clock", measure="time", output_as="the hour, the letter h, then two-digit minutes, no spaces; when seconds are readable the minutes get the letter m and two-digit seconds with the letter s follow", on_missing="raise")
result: 1h15
